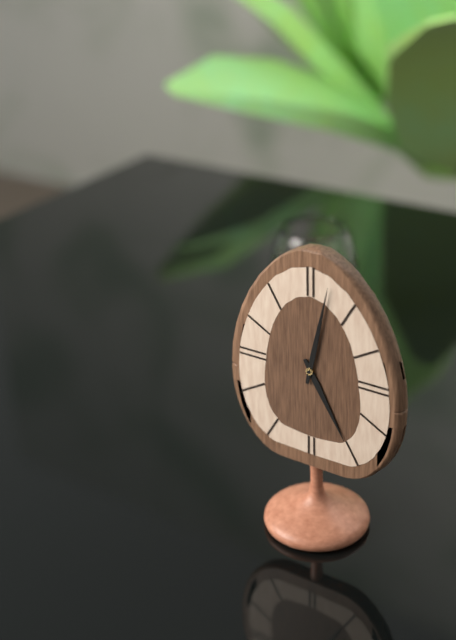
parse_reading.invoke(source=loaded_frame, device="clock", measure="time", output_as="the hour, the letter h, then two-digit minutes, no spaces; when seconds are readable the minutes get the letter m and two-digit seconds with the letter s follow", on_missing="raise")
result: 5h02
